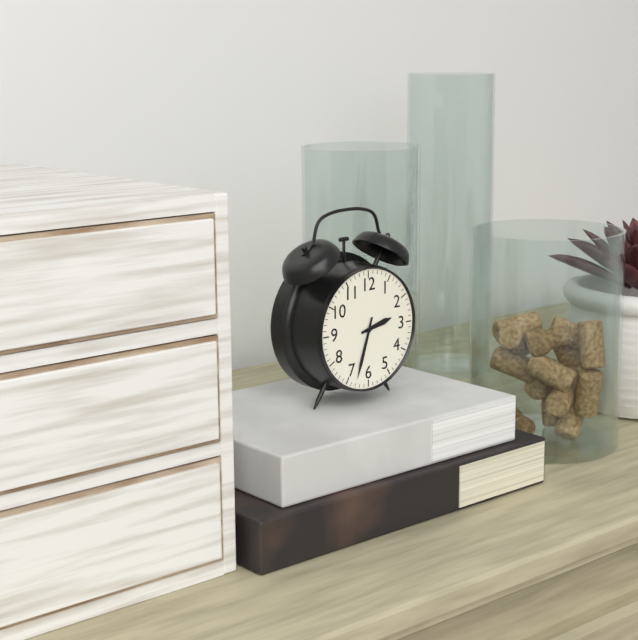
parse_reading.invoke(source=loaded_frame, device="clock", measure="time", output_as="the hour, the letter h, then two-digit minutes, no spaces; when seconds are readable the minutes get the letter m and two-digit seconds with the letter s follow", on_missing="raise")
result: 2h33
